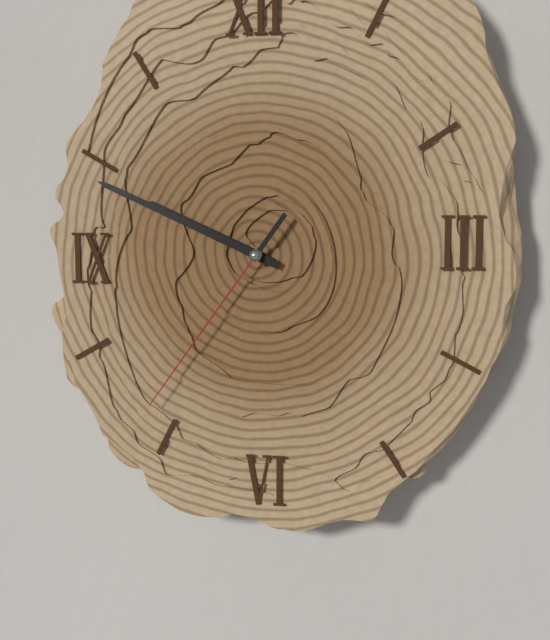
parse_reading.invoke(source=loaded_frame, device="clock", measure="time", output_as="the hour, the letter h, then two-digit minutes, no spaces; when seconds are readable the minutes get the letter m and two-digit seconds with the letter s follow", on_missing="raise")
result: 9h49m36s
